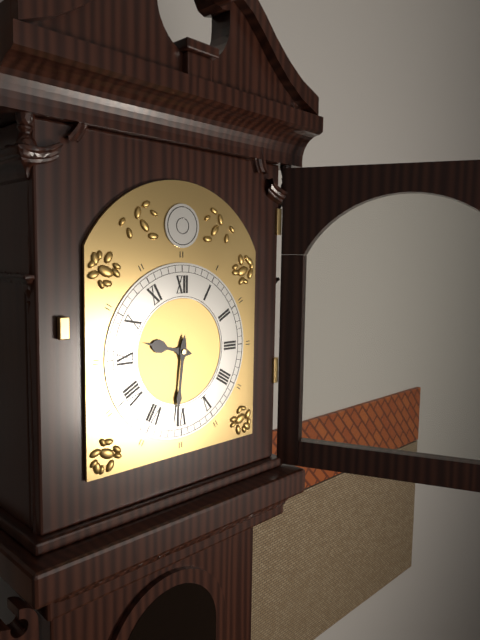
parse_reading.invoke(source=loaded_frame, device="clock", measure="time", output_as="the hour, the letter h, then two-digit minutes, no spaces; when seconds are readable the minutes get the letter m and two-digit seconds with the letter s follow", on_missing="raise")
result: 9h31
